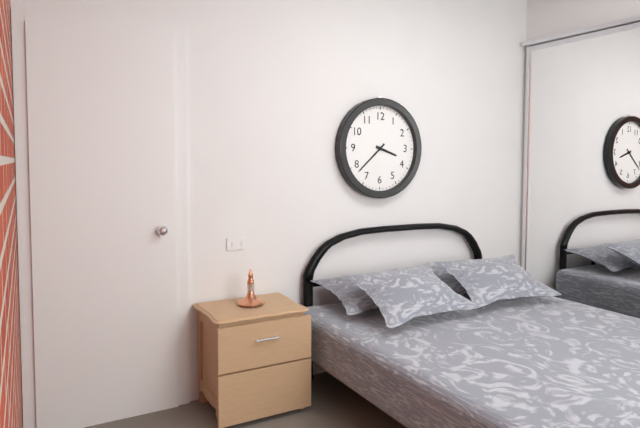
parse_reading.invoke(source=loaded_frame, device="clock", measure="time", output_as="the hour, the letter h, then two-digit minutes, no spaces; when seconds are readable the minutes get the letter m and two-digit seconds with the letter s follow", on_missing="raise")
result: 3h38
